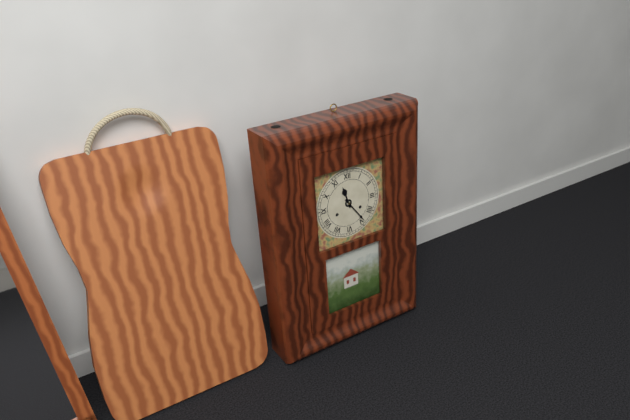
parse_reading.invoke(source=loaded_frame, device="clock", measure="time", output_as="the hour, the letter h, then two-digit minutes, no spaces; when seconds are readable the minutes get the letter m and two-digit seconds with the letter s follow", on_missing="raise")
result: 11h24
